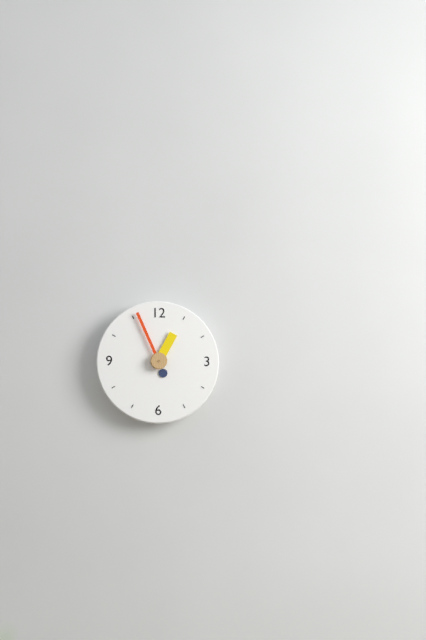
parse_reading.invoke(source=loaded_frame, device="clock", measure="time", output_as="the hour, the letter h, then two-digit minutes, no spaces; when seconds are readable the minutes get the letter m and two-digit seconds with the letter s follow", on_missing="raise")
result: 12h56
